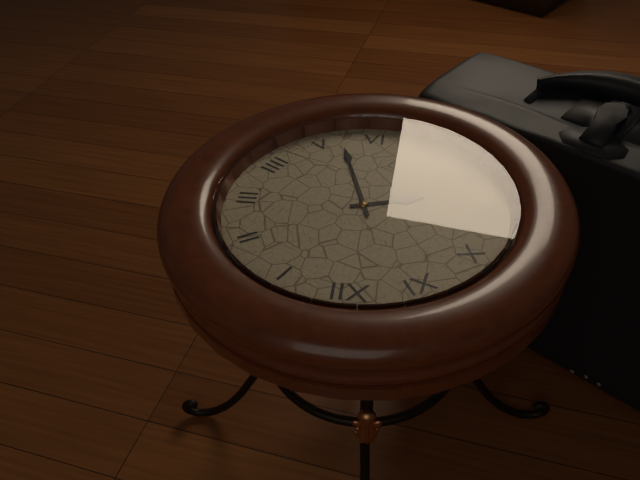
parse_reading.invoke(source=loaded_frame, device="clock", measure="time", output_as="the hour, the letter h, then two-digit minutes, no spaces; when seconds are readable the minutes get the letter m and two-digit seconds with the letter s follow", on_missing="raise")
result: 8h27
